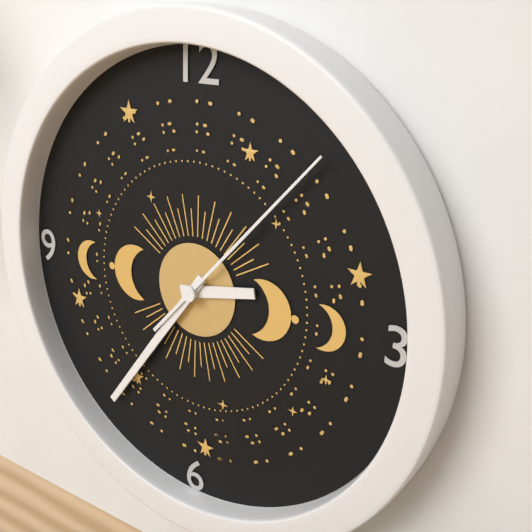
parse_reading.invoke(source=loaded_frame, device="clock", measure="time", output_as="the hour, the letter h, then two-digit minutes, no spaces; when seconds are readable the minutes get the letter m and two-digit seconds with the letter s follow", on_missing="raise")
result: 2h36m07s
